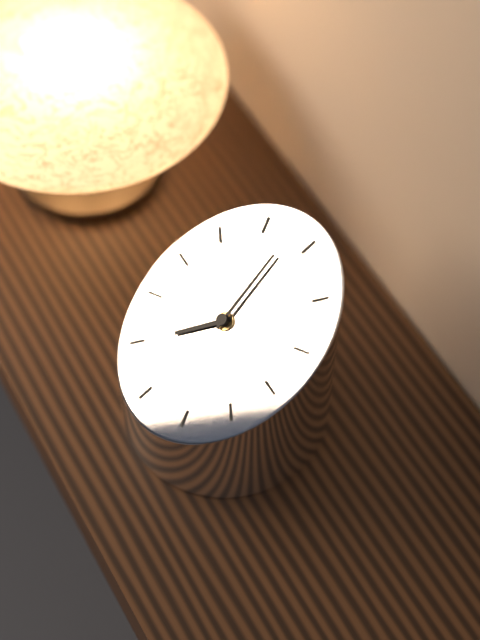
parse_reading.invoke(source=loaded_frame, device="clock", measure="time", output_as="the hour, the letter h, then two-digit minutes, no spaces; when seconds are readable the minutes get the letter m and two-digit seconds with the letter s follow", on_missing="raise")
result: 6h58
